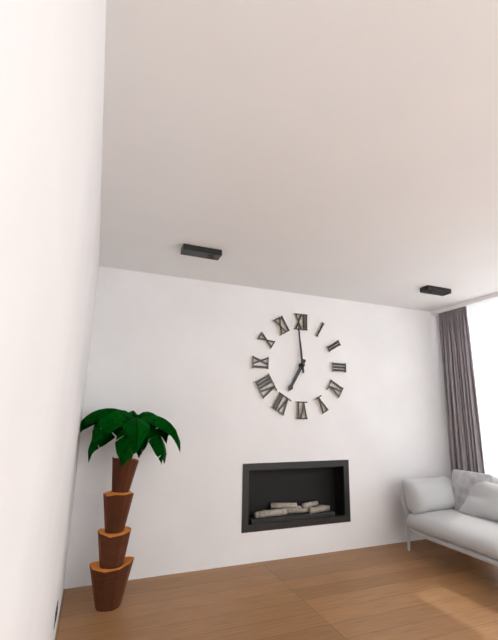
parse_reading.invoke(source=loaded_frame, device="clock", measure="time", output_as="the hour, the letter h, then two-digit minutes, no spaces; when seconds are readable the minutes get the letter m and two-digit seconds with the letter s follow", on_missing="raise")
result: 6h59
